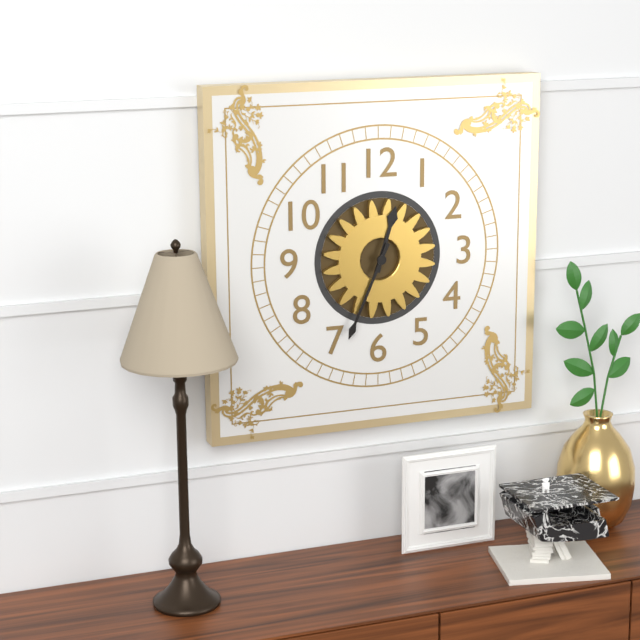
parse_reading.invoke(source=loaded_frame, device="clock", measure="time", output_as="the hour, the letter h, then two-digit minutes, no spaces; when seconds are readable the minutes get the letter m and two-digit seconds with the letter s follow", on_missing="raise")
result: 12h34
